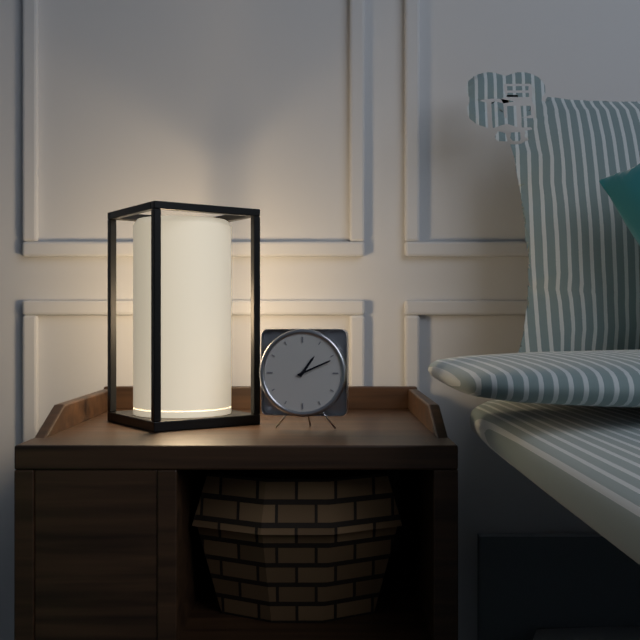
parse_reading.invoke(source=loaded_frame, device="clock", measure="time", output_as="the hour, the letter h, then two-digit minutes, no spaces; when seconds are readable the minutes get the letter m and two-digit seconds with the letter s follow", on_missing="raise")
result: 1h11
